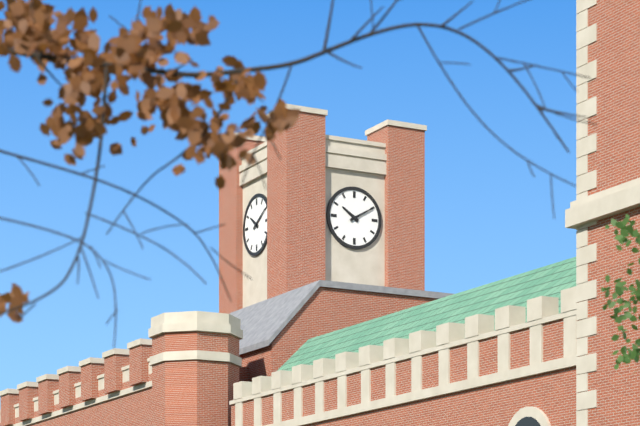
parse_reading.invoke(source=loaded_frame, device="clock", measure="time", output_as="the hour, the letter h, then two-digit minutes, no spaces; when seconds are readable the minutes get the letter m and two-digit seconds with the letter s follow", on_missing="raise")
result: 10h10
